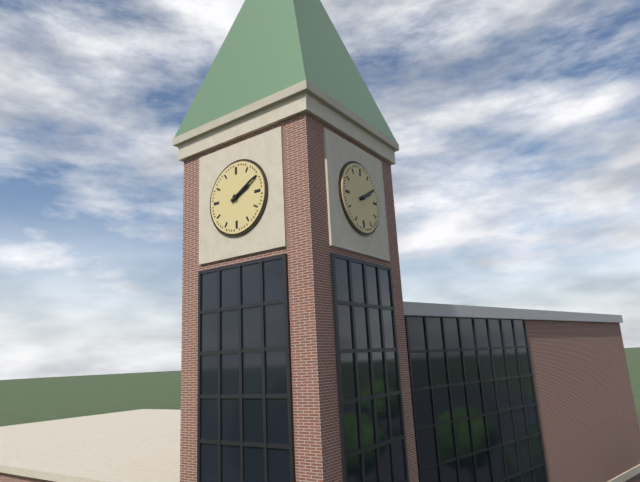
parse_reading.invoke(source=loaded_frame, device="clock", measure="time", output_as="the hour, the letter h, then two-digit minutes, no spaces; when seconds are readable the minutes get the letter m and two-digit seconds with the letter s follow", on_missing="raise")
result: 2h10
